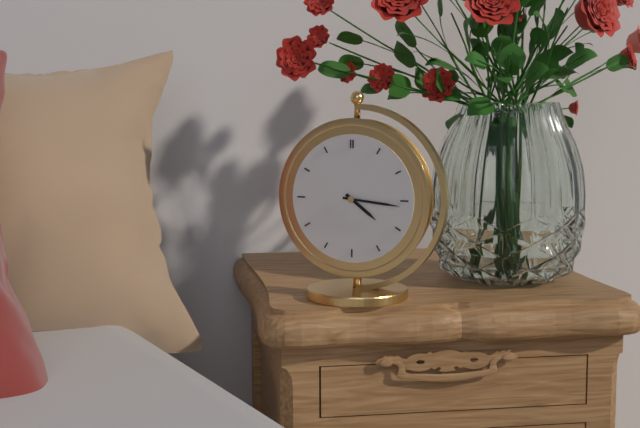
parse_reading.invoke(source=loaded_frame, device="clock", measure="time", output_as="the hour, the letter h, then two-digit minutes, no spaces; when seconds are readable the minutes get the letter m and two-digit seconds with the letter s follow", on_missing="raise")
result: 4h16
